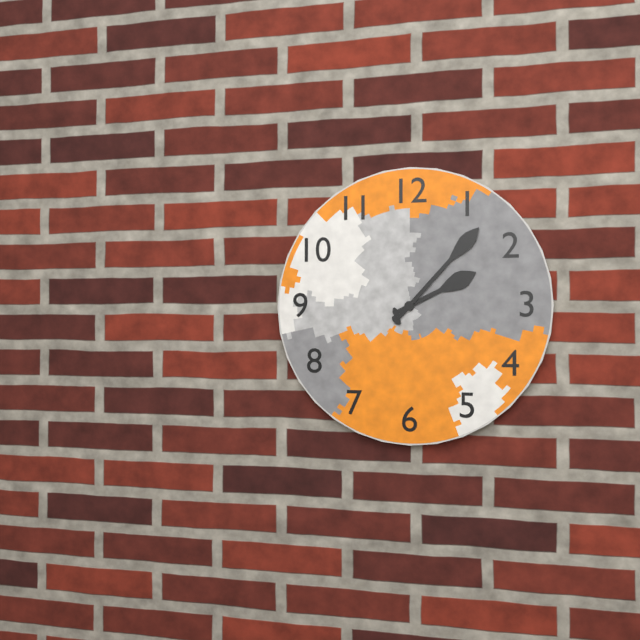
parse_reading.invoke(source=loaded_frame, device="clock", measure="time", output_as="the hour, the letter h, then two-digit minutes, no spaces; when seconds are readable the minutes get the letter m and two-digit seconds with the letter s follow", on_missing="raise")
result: 2h07
